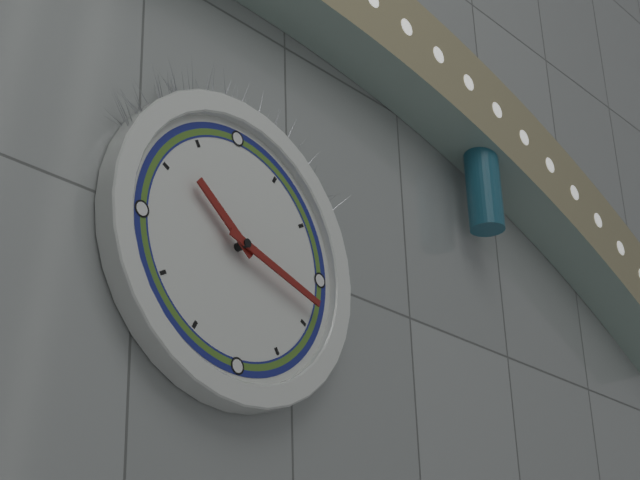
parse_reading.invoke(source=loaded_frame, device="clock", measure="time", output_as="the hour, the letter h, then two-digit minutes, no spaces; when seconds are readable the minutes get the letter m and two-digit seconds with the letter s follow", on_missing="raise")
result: 10h18
